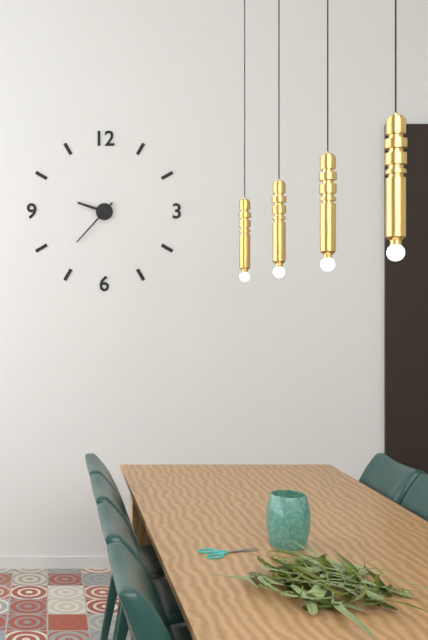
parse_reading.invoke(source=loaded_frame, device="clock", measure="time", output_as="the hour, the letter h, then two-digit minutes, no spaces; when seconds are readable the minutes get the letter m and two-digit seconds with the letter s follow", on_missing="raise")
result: 9h37
